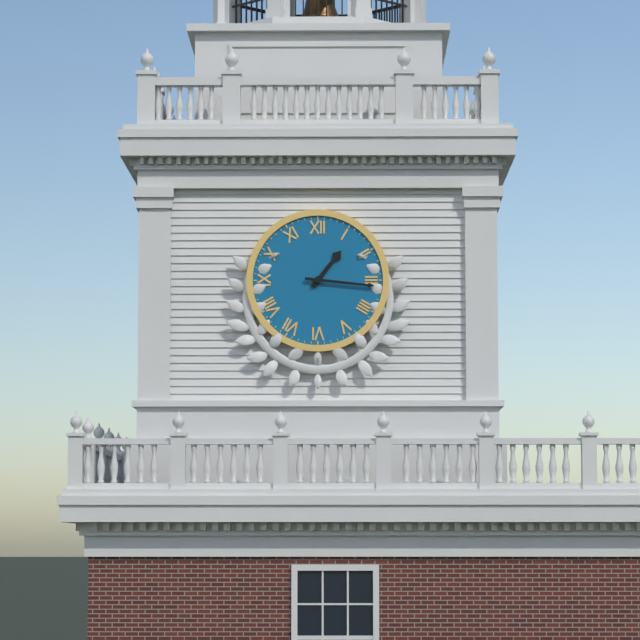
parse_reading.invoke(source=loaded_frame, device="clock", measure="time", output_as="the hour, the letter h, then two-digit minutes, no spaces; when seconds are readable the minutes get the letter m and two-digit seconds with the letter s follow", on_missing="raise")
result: 1h16
